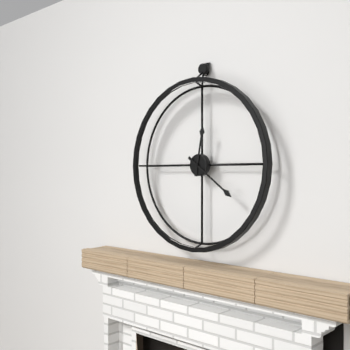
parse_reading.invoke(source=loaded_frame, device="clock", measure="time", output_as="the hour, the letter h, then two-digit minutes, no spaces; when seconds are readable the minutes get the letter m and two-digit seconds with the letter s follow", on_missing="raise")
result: 12h21
